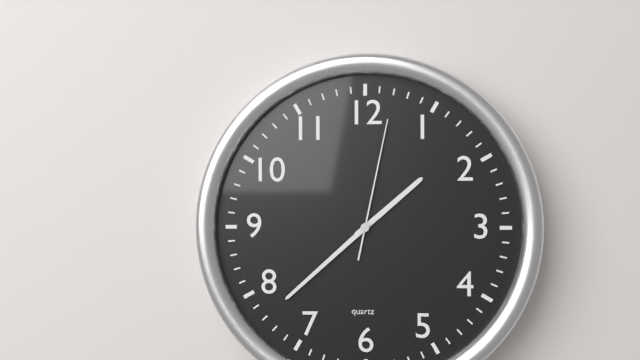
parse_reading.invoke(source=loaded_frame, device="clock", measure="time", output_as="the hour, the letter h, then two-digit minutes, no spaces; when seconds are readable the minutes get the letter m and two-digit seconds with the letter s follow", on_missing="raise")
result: 1h38m02s
